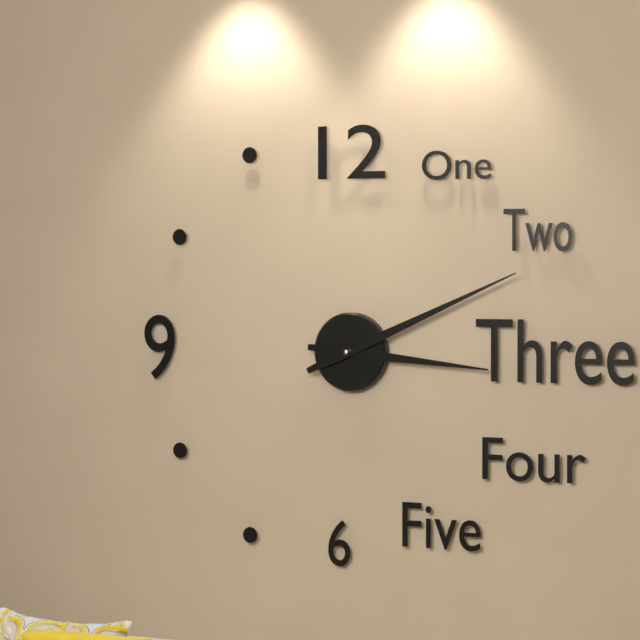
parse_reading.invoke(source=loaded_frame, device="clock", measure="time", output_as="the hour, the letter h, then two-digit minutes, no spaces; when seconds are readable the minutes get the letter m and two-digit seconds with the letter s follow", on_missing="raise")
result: 3h11
